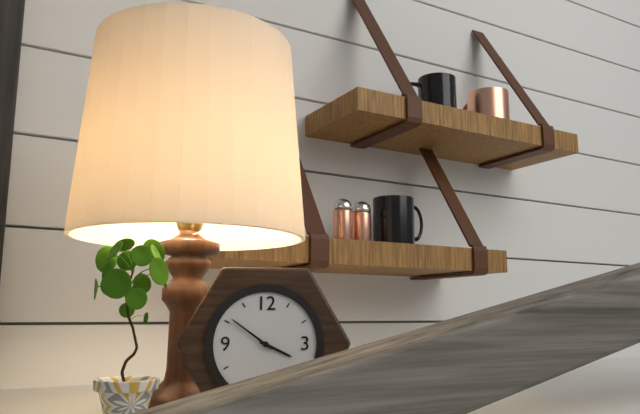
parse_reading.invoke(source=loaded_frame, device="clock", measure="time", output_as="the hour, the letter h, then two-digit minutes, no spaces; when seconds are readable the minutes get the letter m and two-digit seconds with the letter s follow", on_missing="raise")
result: 3h51
